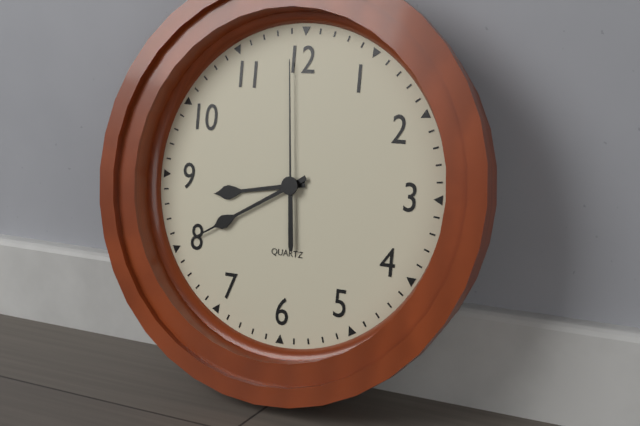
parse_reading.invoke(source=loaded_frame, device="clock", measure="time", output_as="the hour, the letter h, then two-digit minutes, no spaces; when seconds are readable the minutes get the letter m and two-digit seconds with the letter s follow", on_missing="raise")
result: 8h40m59s
